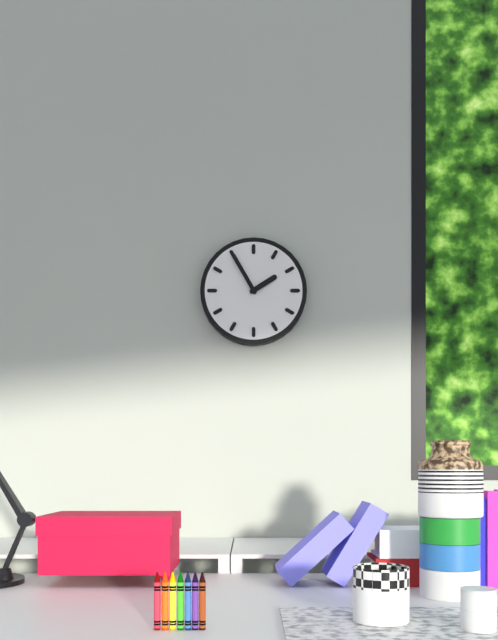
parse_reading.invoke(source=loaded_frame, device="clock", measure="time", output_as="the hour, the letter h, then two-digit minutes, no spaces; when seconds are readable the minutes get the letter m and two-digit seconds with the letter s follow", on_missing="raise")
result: 1h55
